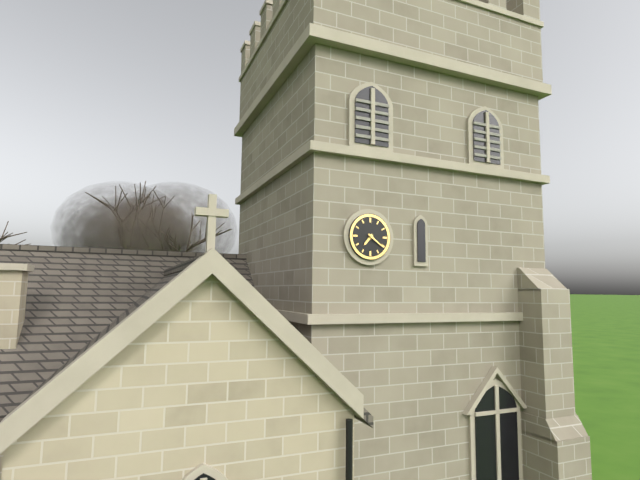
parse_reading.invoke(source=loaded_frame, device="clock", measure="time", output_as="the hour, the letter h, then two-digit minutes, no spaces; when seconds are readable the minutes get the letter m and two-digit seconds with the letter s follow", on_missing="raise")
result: 7h21
